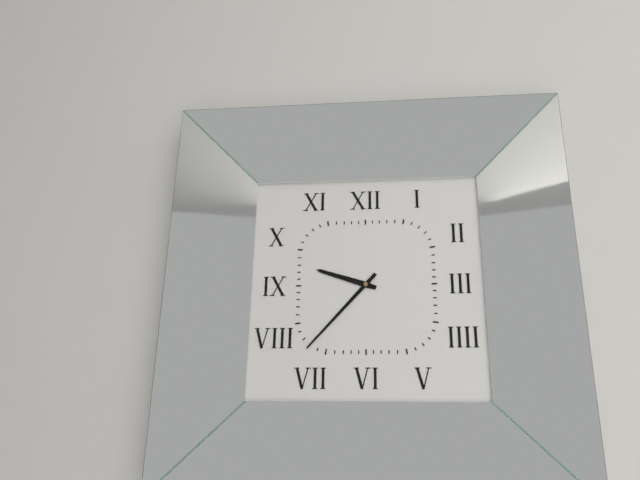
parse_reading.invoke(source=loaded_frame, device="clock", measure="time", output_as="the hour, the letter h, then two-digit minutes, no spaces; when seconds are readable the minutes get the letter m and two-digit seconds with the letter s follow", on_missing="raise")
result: 9h37
